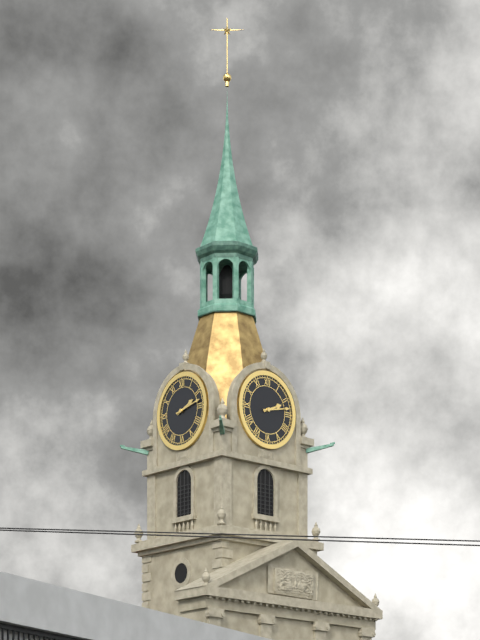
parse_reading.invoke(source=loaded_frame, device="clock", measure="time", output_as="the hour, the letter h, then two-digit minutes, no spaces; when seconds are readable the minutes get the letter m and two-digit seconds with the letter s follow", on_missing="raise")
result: 2h13
